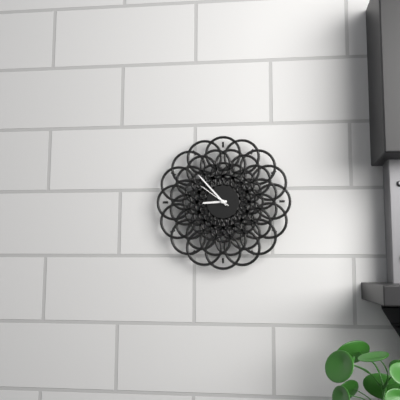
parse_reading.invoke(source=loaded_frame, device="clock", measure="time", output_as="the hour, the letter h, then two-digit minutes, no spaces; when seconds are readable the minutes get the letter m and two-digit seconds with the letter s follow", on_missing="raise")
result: 8h53
